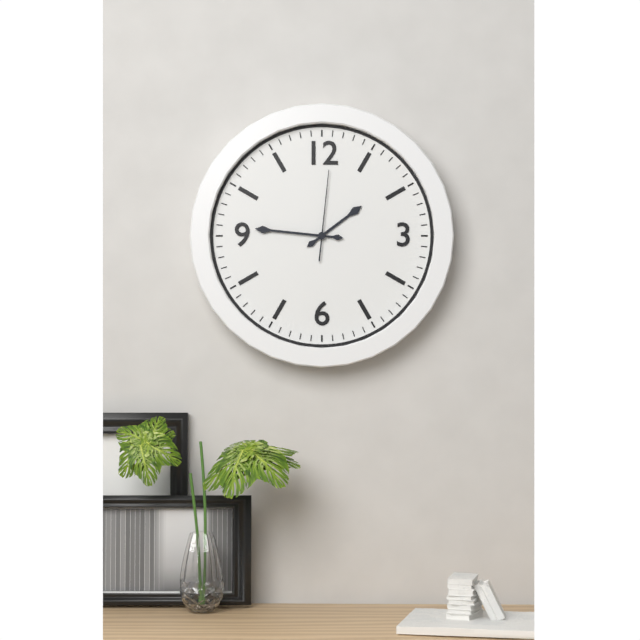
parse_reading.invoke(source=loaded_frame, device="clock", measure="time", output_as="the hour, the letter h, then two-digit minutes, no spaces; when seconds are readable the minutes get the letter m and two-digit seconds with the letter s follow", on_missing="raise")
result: 1h46m01s
